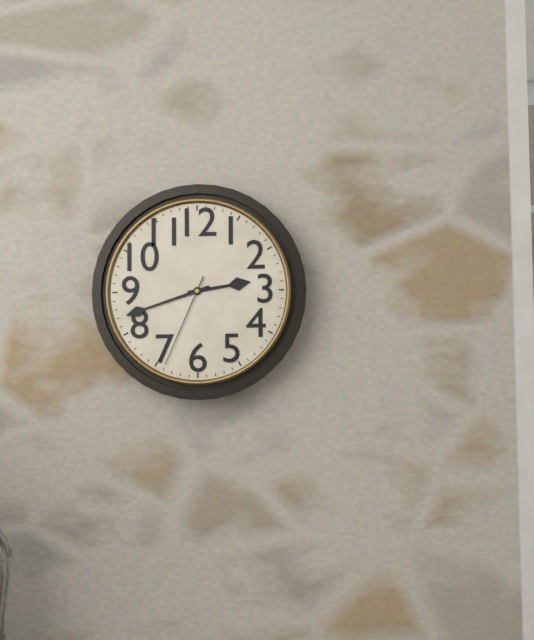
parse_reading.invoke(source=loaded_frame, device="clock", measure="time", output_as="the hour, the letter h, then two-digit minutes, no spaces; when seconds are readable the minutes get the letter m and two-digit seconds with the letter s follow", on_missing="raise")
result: 2h42m34s
